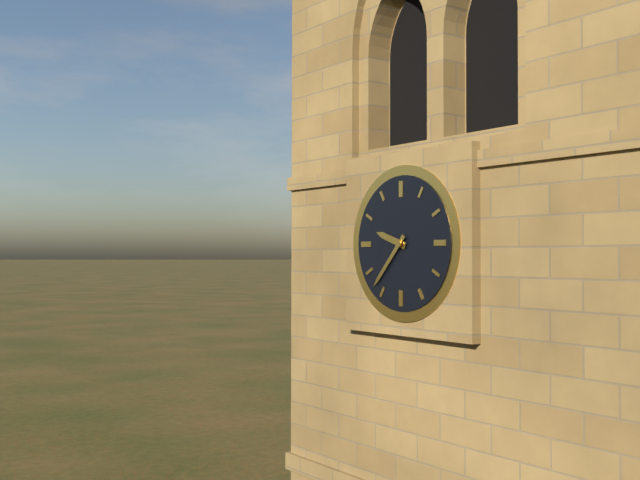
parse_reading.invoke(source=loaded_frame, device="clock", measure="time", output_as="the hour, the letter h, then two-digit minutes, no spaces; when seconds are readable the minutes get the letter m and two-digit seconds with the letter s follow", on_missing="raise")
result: 9h37
